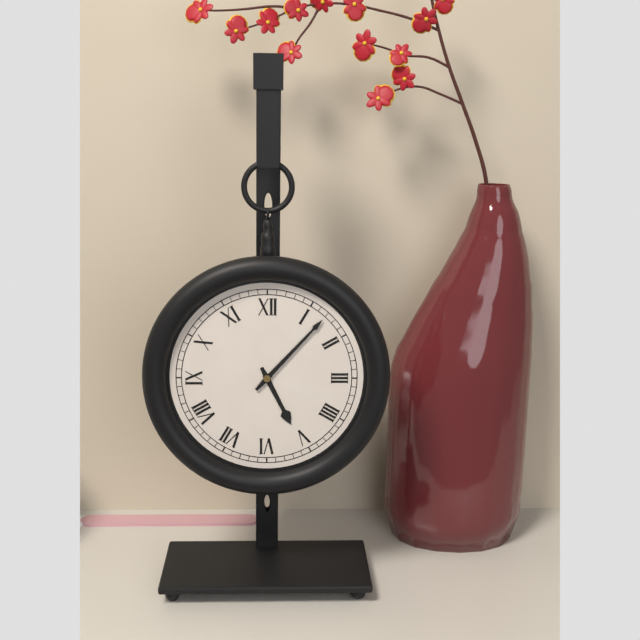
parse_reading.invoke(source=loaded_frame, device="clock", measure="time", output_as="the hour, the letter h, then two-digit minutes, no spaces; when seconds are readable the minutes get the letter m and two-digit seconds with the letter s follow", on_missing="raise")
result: 5h07
